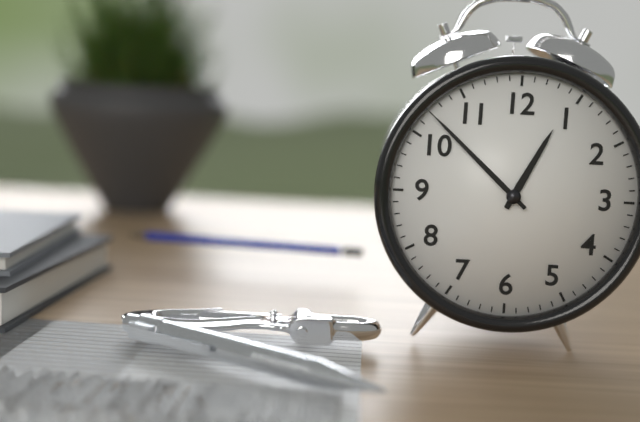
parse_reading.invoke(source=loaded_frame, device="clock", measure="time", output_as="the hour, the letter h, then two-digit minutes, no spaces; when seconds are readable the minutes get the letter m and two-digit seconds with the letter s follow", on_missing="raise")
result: 12h52
